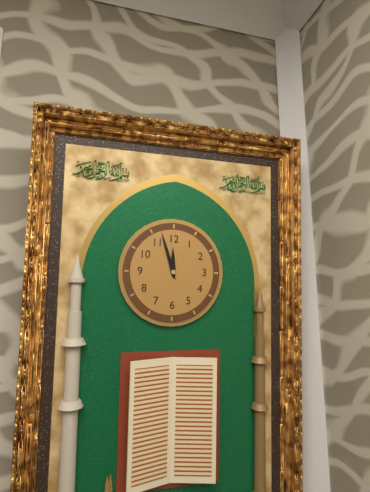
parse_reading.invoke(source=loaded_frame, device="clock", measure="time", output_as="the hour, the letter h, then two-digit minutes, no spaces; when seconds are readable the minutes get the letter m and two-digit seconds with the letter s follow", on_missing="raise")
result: 11h57
